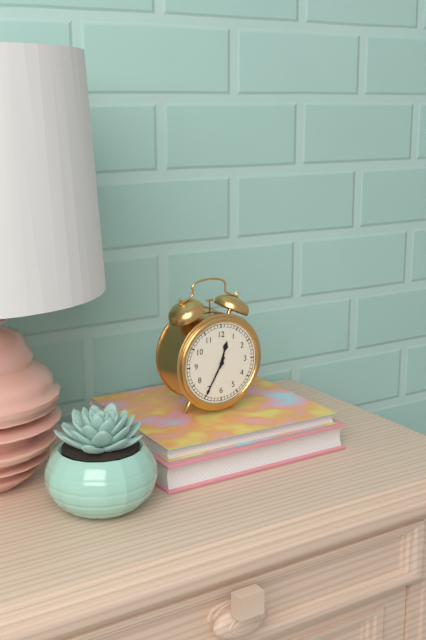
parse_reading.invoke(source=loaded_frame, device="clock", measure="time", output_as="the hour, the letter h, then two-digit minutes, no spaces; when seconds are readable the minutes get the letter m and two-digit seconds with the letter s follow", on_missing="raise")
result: 12h35
